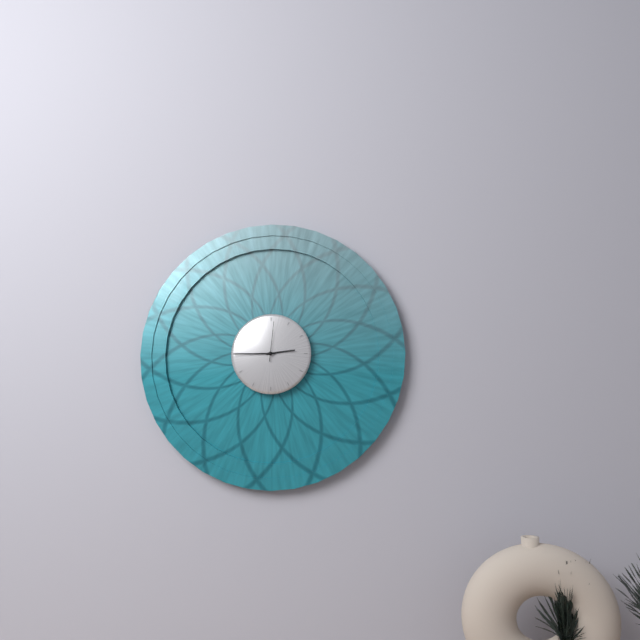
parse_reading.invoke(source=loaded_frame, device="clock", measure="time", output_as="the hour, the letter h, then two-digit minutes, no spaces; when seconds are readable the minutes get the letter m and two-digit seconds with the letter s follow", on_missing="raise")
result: 2h45
